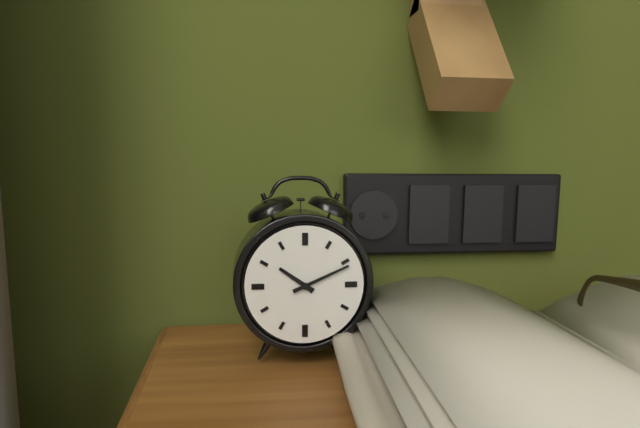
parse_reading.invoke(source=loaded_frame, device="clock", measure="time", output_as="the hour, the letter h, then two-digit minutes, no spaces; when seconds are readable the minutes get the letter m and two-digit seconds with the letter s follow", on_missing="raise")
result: 10h11
